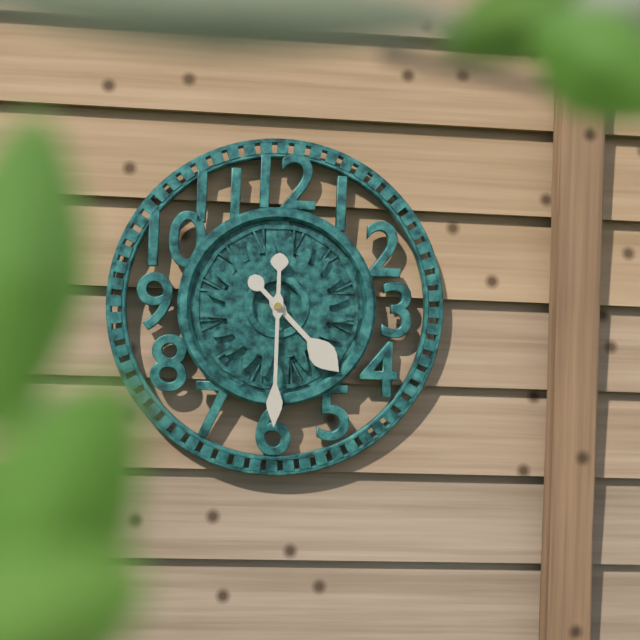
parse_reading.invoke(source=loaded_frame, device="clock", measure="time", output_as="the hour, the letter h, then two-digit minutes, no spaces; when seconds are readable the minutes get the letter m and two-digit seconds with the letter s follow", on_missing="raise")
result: 4h30
